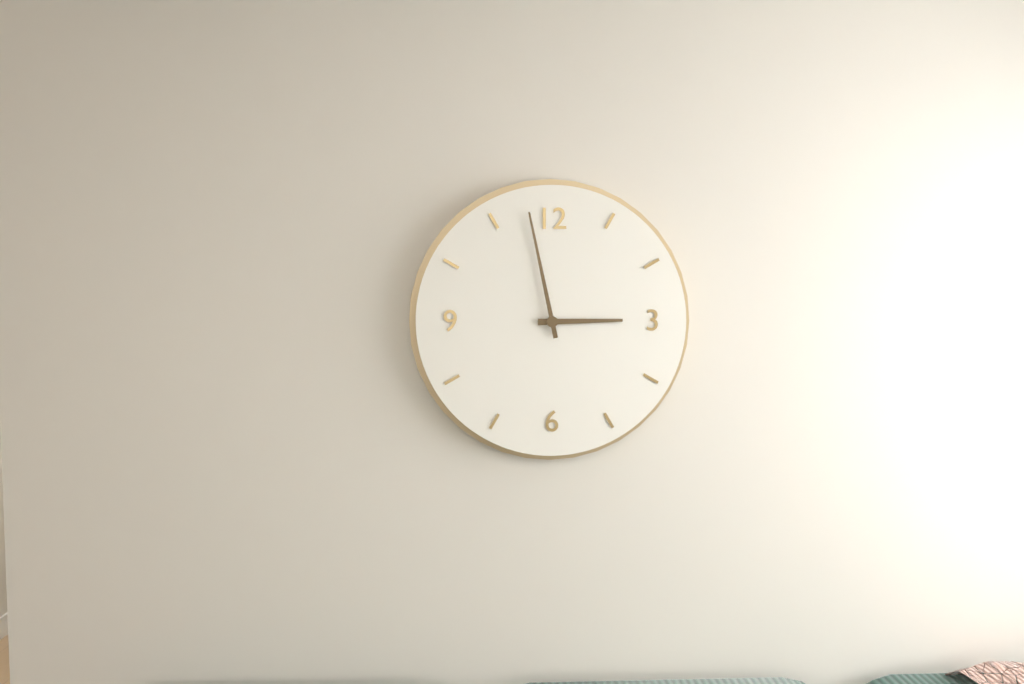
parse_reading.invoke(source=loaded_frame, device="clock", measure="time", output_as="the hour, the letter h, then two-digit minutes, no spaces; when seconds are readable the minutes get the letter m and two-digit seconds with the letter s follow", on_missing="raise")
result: 2h58
